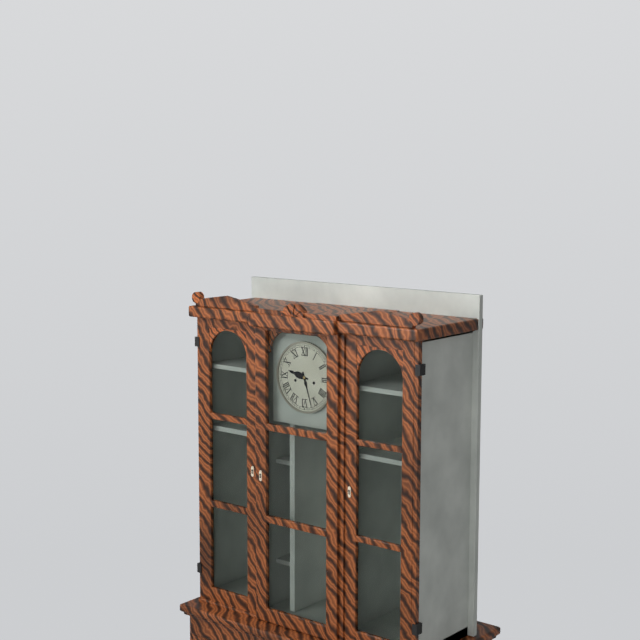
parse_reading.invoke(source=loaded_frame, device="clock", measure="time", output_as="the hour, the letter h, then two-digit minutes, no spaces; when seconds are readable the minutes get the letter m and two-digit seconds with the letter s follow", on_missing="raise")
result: 9h27
